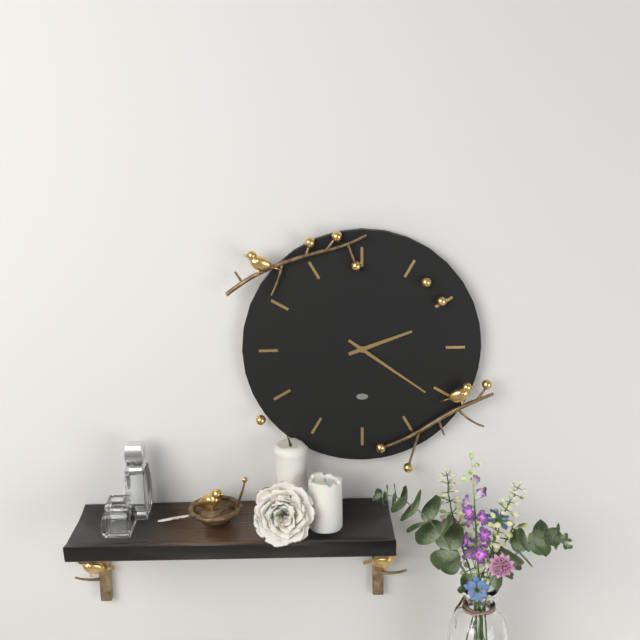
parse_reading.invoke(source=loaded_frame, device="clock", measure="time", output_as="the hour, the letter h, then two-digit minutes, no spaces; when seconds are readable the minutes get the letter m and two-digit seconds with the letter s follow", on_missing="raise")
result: 2h21
